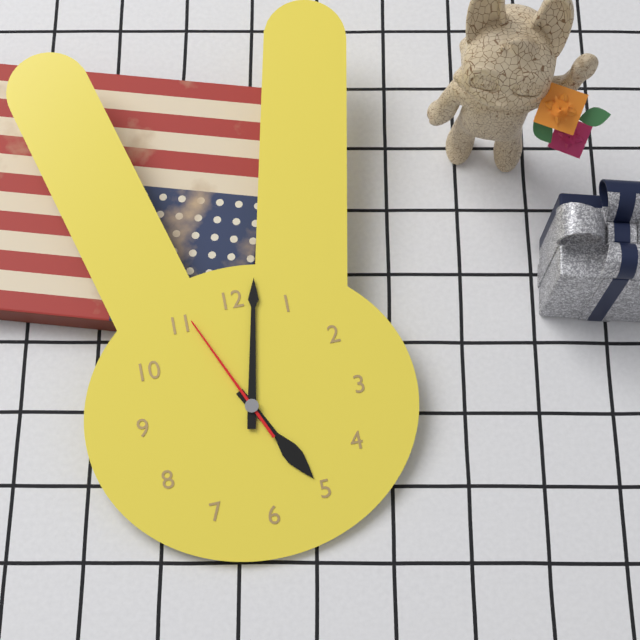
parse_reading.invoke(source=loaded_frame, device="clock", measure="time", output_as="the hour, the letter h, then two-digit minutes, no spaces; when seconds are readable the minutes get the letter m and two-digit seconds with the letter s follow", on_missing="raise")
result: 5h02m56s
